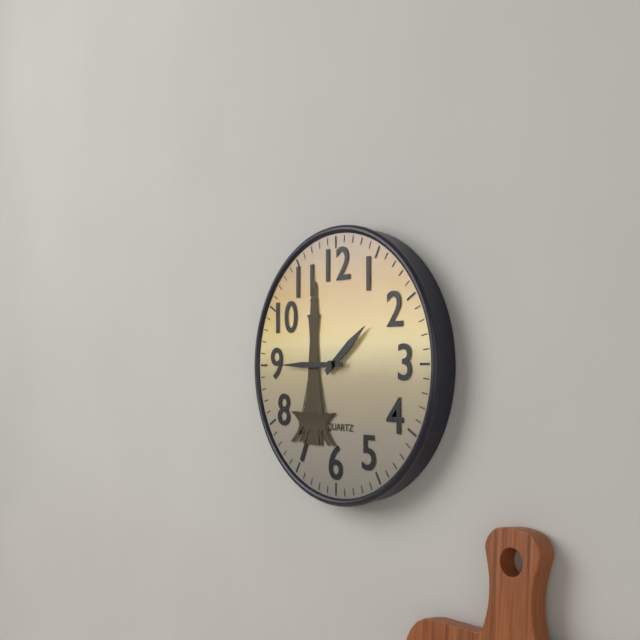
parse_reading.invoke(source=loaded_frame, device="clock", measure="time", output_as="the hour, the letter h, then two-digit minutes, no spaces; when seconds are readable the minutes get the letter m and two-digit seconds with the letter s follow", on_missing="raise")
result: 1h45
